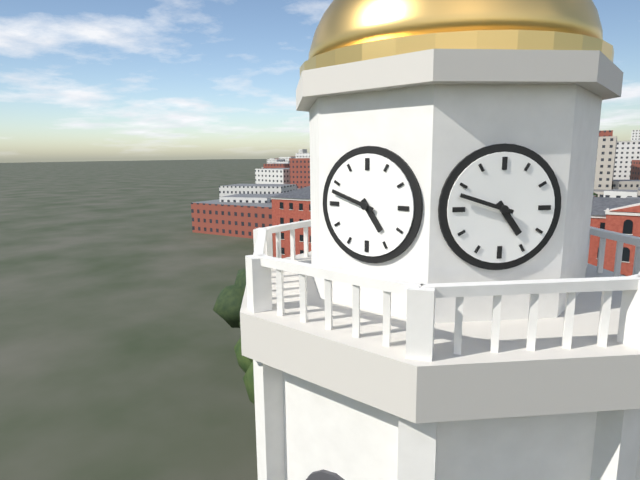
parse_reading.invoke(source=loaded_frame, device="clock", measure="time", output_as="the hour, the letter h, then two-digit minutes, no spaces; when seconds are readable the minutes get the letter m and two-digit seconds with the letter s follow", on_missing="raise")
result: 4h48
